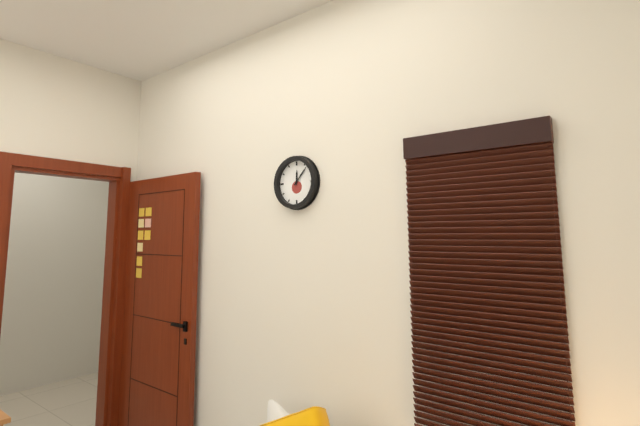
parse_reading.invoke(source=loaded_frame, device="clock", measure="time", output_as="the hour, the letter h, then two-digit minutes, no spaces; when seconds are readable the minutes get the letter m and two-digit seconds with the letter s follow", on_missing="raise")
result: 12h07
